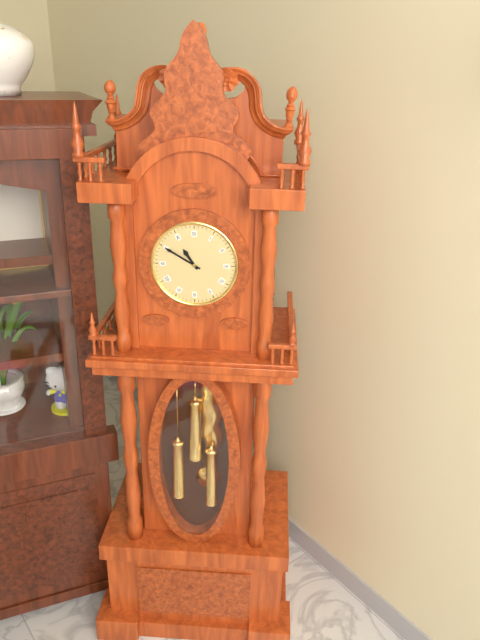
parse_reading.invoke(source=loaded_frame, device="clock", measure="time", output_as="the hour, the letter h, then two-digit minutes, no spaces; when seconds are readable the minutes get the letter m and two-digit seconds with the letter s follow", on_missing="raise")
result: 10h50
